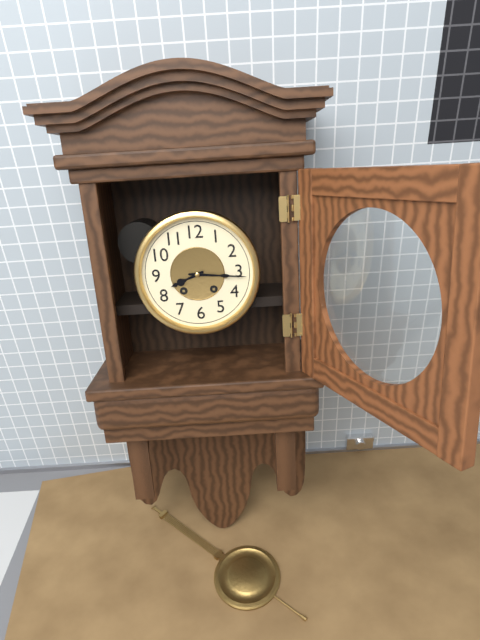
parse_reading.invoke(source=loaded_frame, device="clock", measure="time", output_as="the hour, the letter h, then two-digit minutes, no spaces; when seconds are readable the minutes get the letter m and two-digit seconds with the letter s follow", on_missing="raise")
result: 8h16
